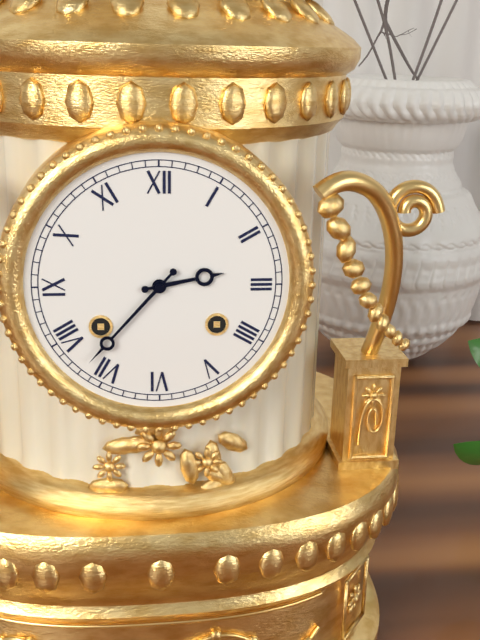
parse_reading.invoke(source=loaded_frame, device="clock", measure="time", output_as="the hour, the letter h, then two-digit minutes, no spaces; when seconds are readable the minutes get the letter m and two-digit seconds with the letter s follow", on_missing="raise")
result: 2h37
